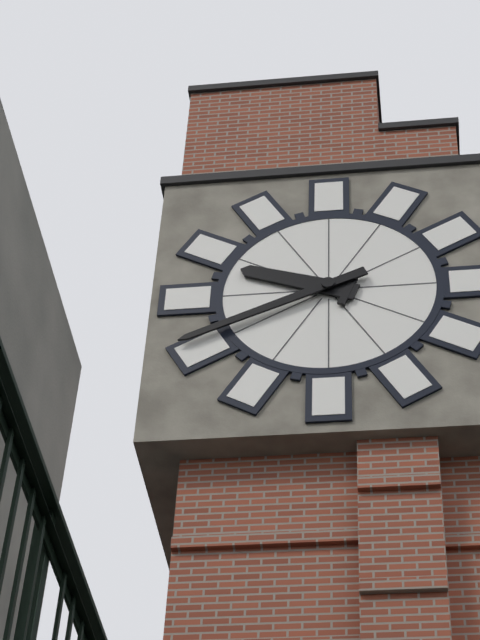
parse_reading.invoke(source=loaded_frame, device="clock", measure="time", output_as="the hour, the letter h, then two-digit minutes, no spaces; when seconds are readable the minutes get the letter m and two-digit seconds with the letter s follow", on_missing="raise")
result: 9h41
